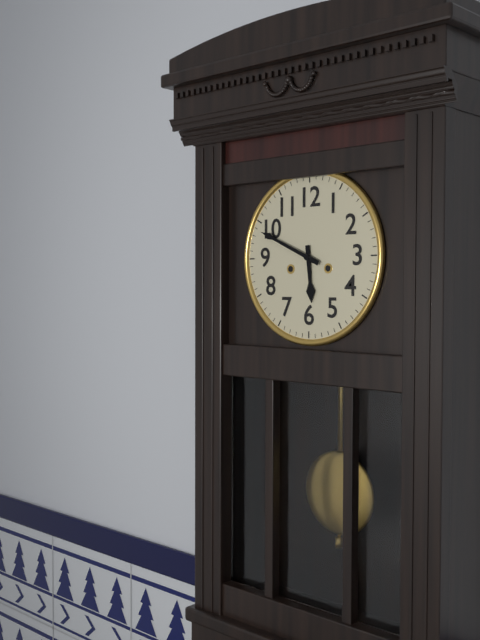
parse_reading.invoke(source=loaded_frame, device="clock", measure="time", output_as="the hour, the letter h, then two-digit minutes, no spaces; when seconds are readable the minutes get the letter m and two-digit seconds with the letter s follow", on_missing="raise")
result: 5h49
